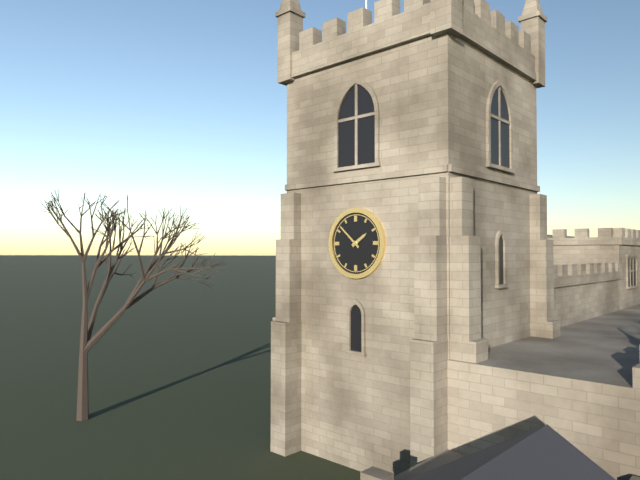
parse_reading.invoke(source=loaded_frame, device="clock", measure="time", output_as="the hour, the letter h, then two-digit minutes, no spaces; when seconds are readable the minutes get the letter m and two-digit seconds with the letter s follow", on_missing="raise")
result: 1h52
